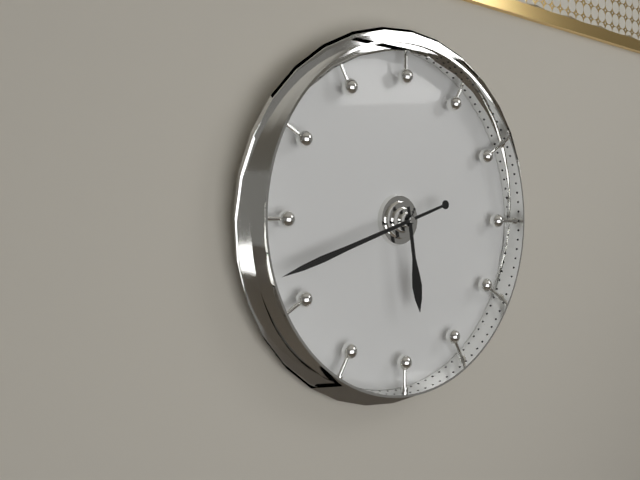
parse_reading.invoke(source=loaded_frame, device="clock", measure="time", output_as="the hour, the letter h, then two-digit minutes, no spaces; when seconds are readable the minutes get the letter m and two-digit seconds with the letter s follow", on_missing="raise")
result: 5h42
